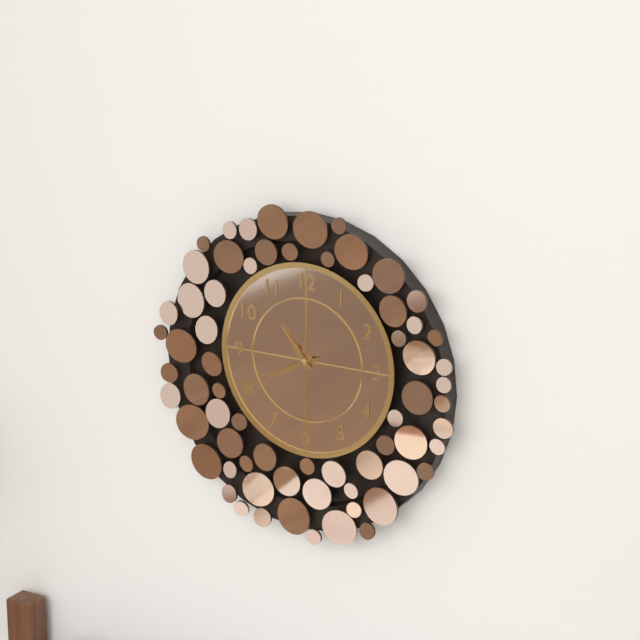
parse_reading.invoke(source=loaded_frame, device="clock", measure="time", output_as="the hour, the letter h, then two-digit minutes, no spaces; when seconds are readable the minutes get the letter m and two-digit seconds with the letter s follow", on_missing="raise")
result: 10h40m41s
